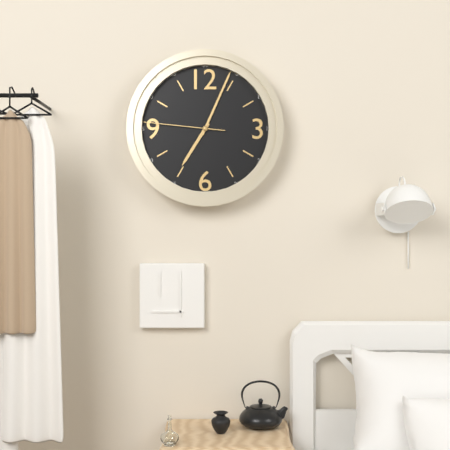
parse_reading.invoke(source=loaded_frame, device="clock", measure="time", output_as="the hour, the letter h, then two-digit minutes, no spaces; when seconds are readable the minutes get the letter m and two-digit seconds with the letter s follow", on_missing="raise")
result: 7h04m46s
